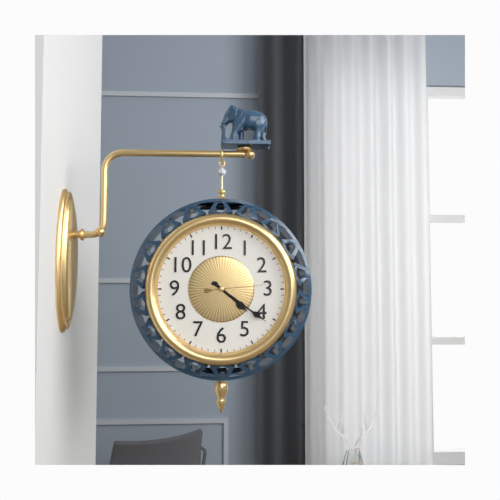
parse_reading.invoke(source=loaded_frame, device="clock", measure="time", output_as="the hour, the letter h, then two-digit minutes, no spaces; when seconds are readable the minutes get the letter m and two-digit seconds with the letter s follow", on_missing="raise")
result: 4h21m14s
